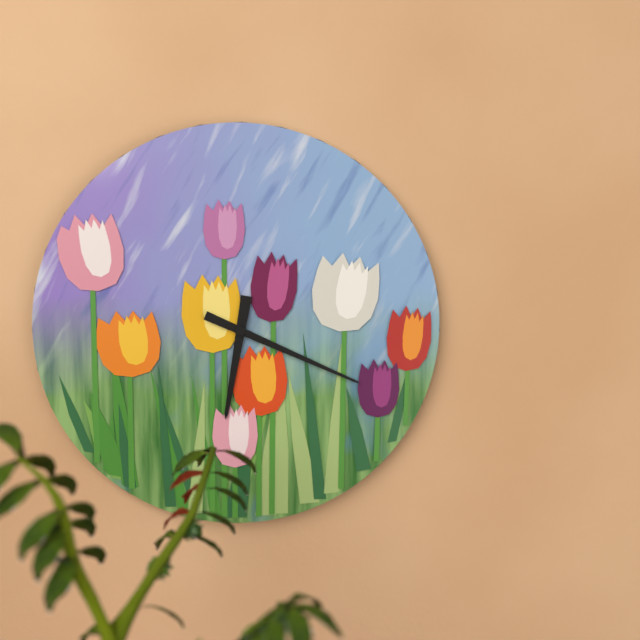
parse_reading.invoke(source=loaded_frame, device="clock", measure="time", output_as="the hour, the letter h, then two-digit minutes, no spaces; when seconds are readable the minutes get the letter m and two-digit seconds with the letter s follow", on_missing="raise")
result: 6h19
